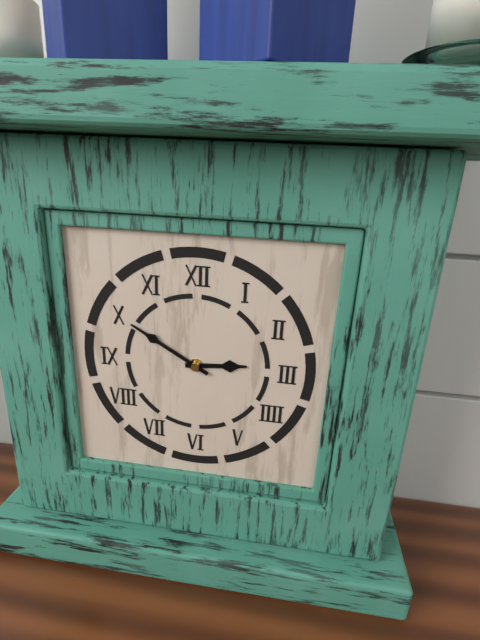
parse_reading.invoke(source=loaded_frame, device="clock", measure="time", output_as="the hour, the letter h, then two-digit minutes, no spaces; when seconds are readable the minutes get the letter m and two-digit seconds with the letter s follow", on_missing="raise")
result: 2h50
